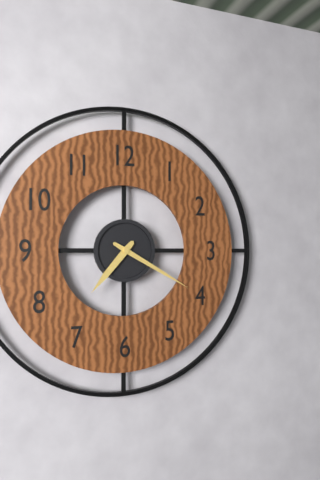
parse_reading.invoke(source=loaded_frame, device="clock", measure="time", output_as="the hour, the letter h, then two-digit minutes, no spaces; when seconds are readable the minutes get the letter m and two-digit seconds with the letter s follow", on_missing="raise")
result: 7h20
